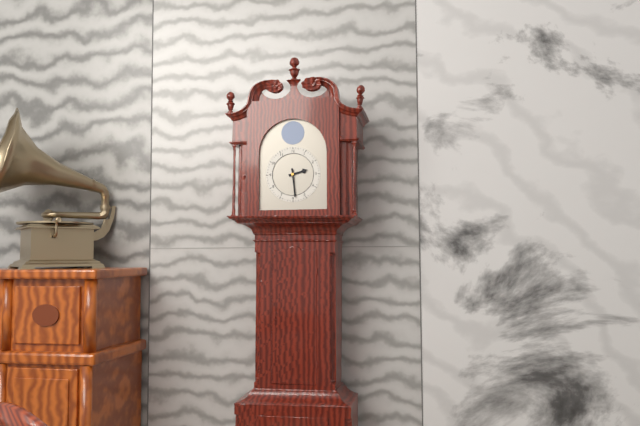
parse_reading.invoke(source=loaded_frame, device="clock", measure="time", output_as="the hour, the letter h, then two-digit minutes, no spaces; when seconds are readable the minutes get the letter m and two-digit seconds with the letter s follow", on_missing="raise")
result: 2h29
